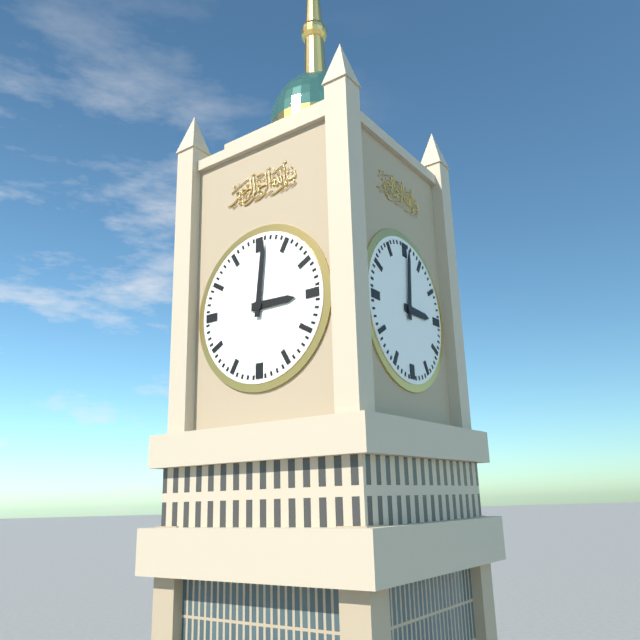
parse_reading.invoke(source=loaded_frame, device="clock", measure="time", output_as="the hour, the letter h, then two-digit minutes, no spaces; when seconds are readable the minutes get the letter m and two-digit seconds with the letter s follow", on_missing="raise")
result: 3h01
